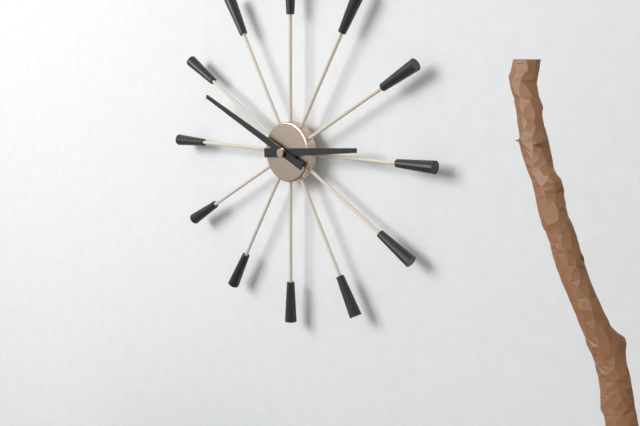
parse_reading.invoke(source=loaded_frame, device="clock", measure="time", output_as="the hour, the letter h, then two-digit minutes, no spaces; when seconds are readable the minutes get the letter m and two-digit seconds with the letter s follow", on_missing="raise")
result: 2h49
